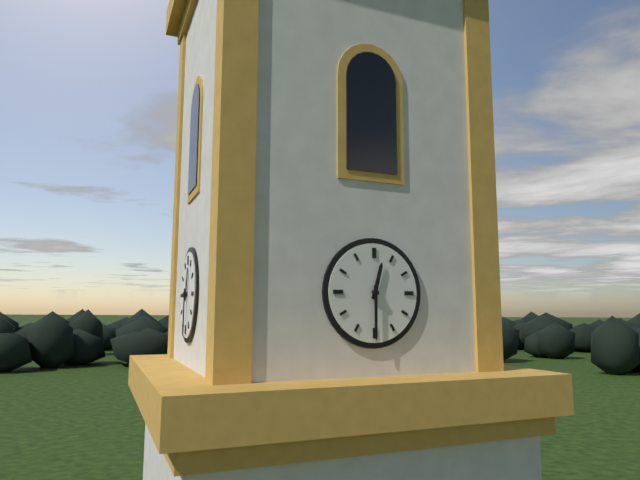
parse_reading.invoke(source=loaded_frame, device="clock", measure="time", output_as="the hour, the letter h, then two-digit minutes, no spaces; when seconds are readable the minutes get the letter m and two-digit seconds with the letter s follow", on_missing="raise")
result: 12h30
